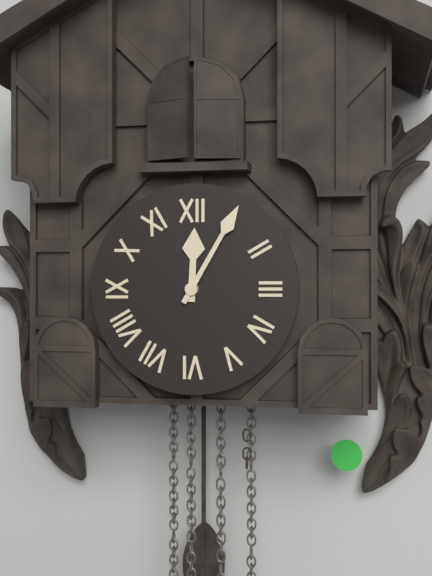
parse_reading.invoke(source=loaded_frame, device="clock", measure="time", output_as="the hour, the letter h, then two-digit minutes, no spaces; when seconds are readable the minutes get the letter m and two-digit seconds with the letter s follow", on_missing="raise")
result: 12h05
